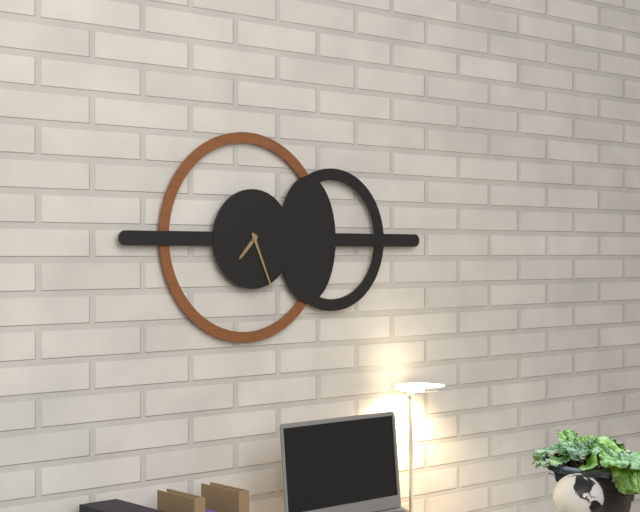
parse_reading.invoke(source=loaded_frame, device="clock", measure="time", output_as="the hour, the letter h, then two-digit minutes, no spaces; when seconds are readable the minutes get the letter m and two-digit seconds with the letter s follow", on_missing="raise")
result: 7h26
